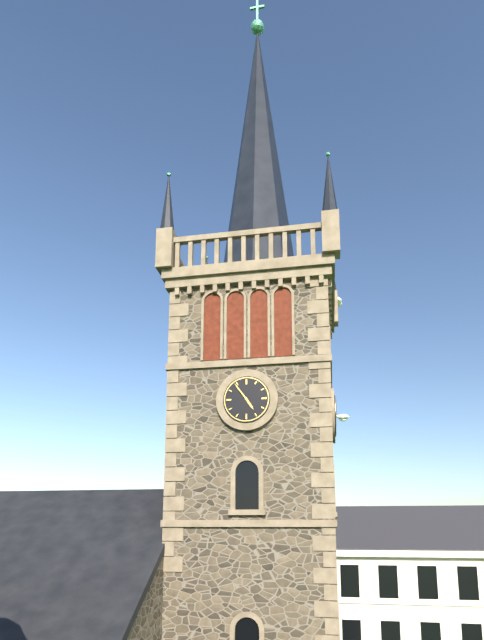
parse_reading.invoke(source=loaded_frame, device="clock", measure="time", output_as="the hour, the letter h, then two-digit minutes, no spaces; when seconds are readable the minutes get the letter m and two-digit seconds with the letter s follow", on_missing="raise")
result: 4h54
